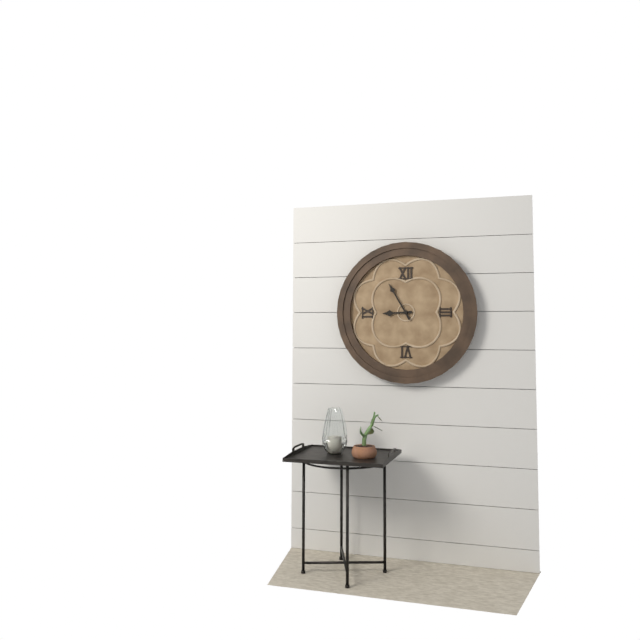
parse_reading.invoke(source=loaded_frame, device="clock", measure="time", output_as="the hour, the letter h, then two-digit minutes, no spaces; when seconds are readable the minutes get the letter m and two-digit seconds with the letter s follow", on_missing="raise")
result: 8h55
